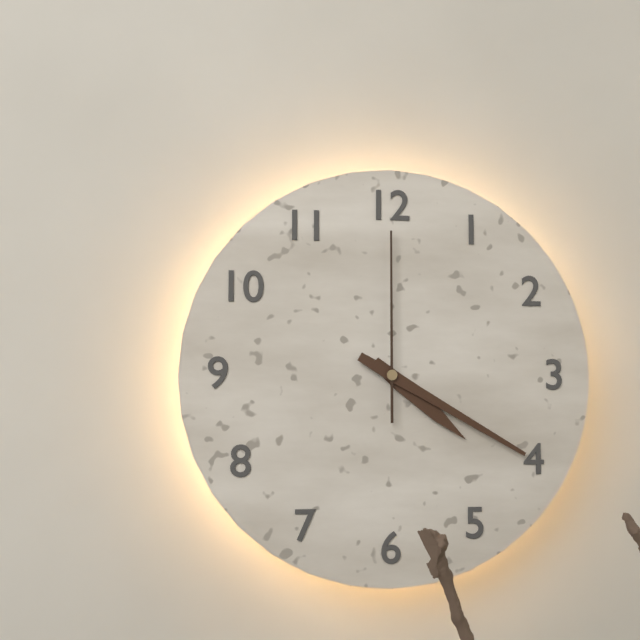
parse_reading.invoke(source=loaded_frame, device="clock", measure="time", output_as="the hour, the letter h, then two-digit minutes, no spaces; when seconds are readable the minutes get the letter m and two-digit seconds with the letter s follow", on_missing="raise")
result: 4h20m00s
